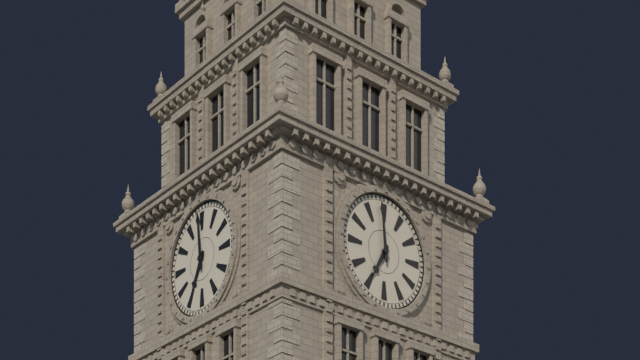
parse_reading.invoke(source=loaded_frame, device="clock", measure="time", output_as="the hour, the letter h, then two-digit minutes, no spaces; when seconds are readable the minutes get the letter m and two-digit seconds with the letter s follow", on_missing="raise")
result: 6h59
